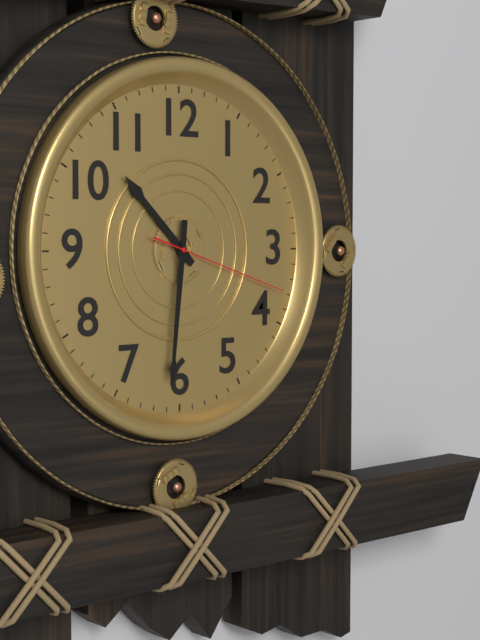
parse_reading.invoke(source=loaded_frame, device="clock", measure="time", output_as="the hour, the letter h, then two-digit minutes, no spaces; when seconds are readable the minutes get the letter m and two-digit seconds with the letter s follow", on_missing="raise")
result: 10h31m18s
